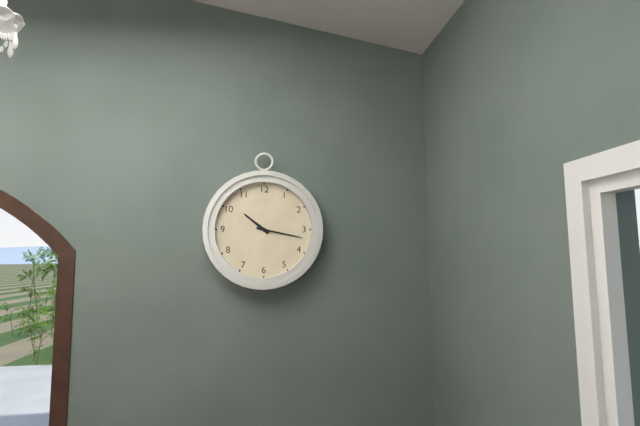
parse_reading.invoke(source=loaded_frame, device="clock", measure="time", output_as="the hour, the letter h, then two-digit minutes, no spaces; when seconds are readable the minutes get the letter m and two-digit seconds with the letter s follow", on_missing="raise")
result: 10h17
